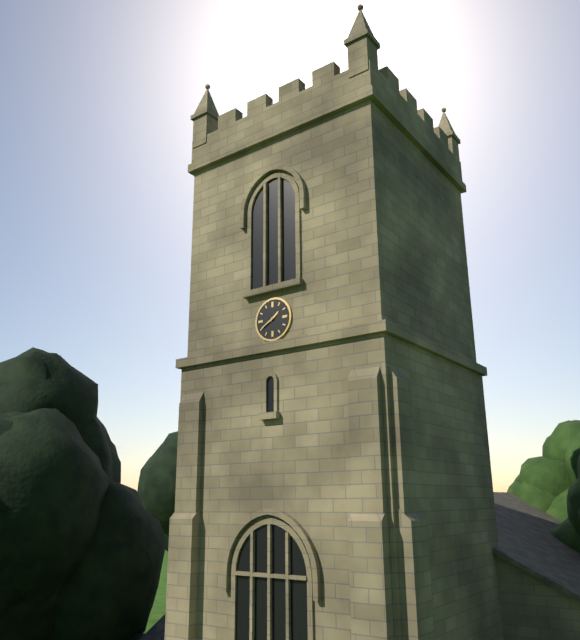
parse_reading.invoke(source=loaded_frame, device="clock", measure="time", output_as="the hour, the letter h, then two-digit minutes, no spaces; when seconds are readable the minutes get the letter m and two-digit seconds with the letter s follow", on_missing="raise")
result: 1h40
